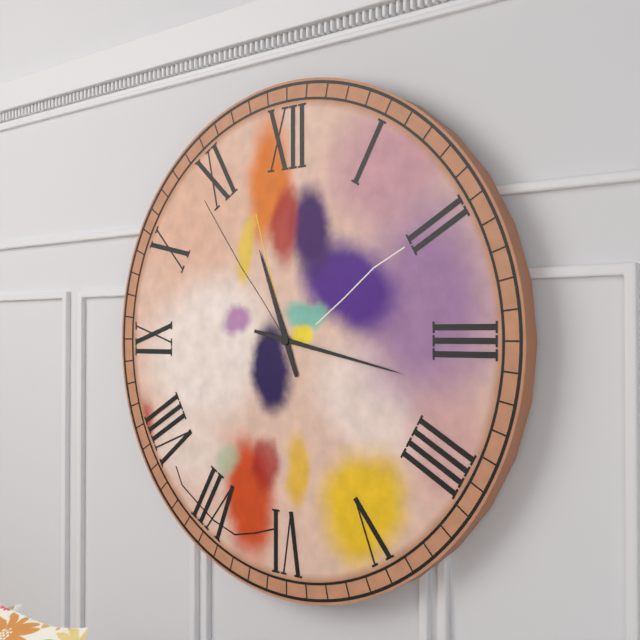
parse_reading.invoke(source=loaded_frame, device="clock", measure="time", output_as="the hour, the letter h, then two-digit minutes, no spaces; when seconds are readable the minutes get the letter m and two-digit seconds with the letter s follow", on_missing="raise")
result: 11h17
